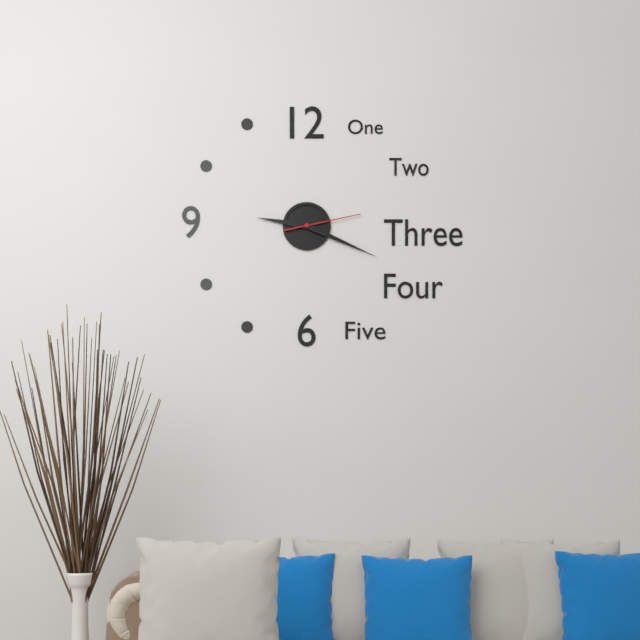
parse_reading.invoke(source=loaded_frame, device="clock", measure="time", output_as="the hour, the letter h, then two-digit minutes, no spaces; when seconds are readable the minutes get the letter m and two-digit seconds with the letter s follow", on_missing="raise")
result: 9h19m13s
